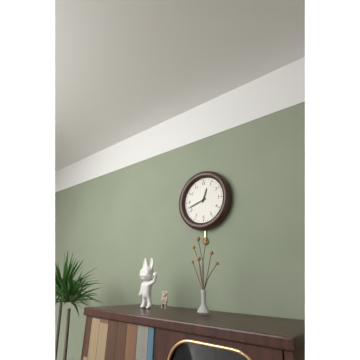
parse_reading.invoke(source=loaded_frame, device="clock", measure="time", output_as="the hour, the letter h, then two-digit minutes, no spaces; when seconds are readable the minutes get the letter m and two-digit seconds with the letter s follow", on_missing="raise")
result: 12h42
